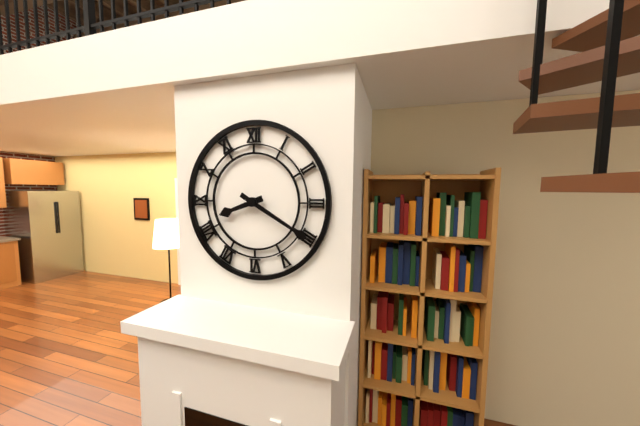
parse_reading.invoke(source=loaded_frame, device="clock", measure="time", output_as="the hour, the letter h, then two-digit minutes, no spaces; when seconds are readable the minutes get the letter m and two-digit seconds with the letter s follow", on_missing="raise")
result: 8h20
